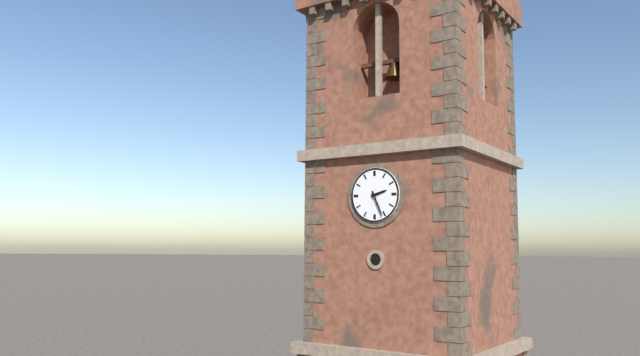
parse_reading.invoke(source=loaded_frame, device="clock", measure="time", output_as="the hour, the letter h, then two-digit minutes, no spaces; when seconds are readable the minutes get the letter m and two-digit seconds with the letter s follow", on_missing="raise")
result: 2h26
